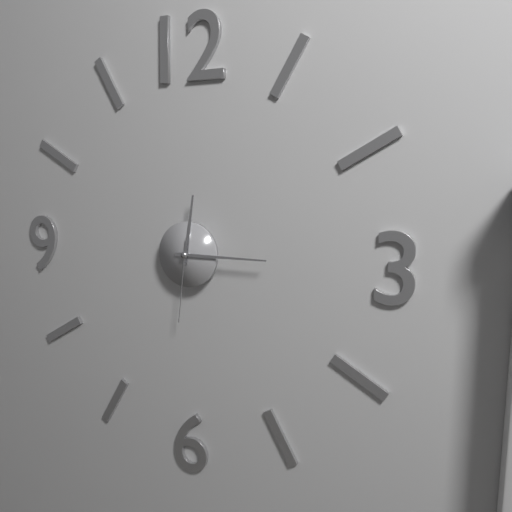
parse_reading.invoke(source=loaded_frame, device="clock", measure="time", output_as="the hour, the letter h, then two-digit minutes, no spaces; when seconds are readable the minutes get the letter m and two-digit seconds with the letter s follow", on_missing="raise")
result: 12h15m31s
